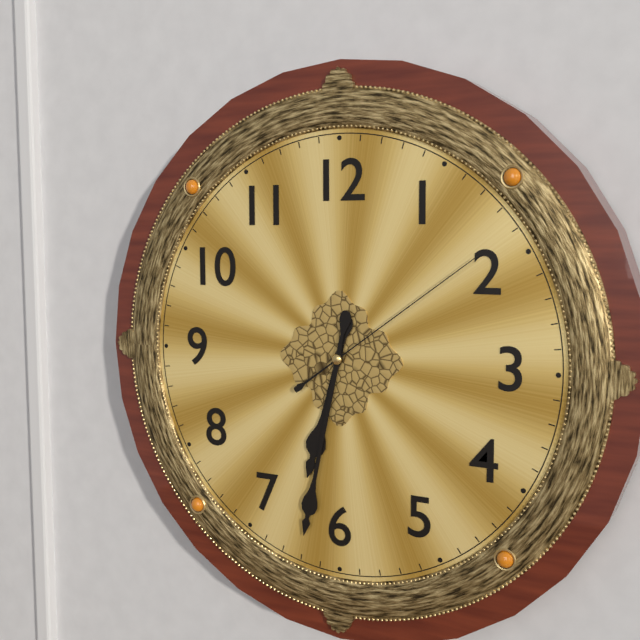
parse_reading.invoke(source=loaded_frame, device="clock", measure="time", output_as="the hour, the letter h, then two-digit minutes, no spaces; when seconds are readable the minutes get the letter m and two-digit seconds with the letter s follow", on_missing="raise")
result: 6h32m09s
